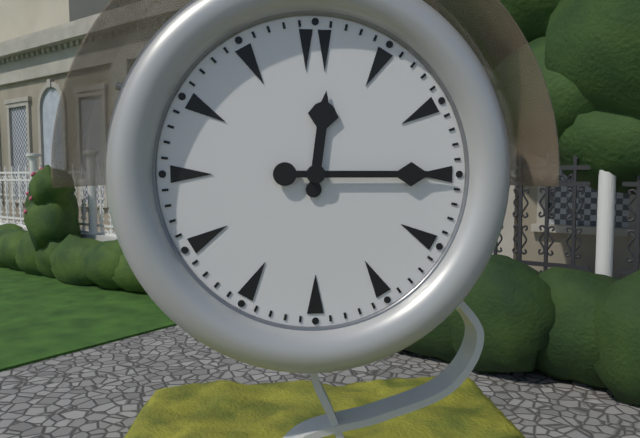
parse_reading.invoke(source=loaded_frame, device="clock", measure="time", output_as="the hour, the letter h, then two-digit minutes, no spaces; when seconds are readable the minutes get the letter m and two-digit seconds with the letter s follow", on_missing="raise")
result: 12h15
